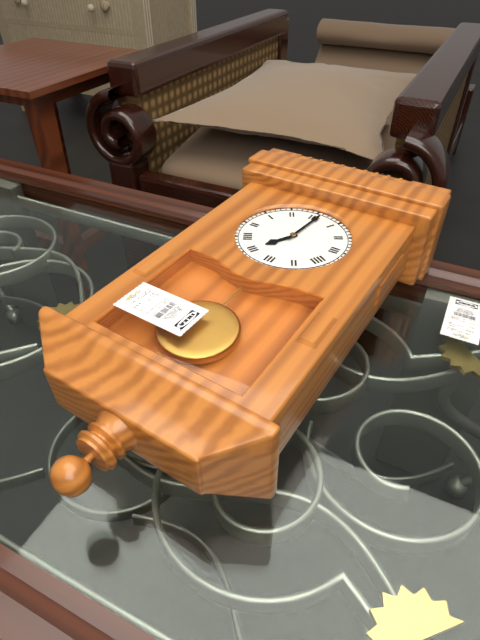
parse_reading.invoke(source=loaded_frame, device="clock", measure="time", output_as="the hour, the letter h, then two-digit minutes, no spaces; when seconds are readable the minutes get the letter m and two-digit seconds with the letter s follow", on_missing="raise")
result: 7h01
